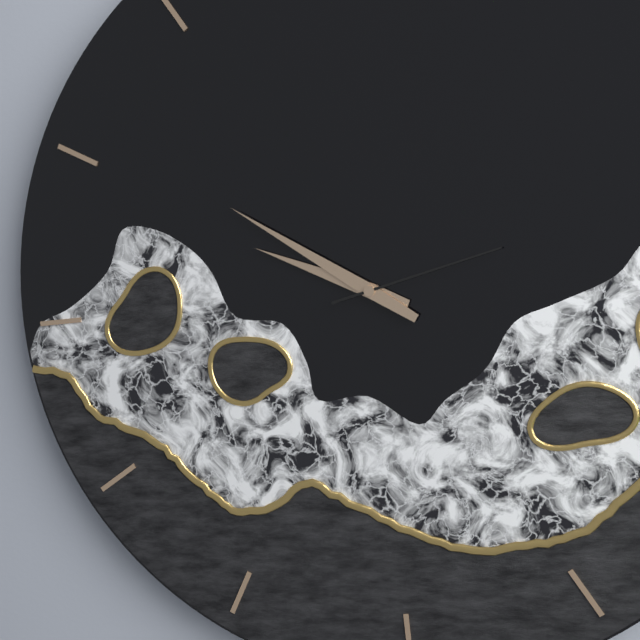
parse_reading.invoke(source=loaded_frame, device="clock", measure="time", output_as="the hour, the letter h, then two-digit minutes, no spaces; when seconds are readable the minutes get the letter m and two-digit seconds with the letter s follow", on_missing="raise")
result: 9h51m13s
